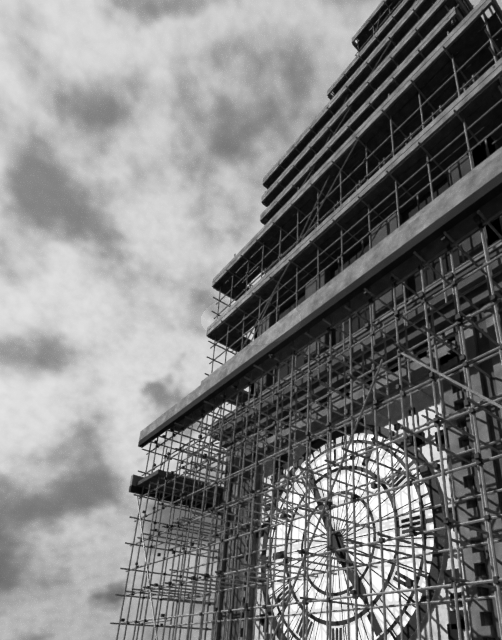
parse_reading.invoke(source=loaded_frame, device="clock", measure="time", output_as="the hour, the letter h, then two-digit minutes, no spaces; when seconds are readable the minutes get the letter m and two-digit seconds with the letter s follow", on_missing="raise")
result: 4h56
